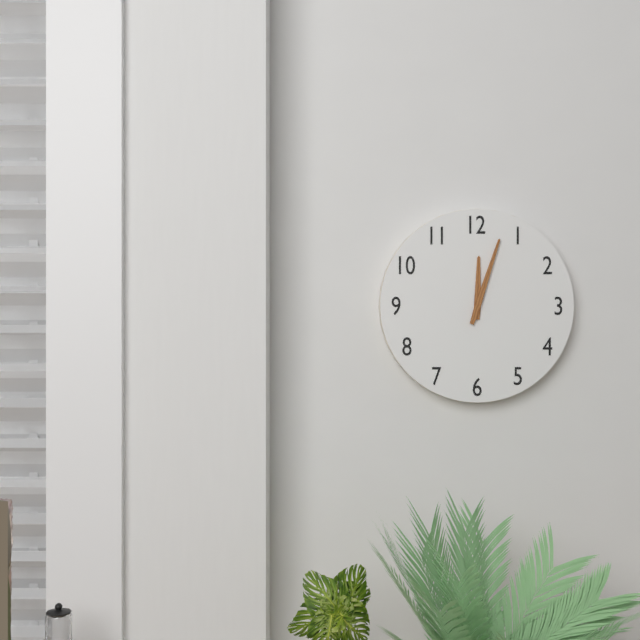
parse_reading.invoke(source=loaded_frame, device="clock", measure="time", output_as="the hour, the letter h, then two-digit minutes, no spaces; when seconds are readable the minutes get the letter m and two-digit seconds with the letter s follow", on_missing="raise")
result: 12h03
